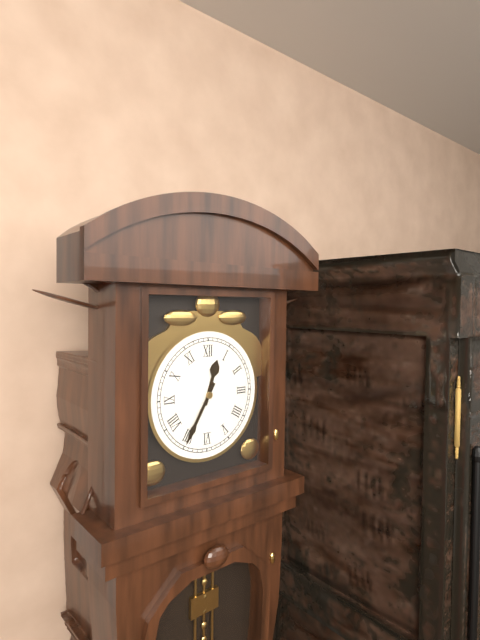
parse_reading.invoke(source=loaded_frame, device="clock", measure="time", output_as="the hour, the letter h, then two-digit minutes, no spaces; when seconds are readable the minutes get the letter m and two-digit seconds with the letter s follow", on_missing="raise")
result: 12h35
